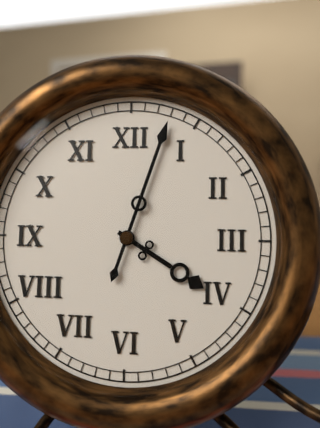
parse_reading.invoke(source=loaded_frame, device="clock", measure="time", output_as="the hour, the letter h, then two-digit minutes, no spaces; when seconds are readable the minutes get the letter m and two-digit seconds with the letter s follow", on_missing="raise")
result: 4h03
